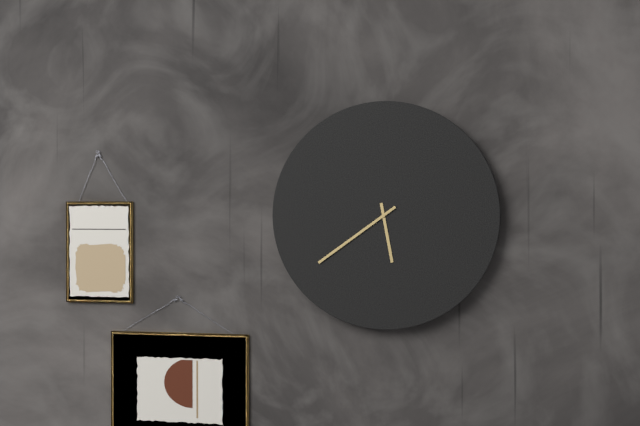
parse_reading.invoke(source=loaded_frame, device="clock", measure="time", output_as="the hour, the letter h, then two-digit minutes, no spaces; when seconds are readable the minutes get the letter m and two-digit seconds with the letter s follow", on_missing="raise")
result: 5h39
